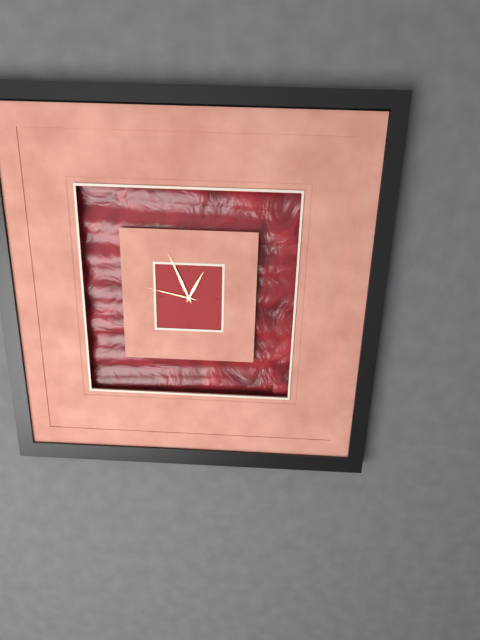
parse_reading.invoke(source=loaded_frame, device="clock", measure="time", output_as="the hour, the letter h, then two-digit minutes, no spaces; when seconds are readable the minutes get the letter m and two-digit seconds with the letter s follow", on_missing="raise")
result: 12h56m47s
